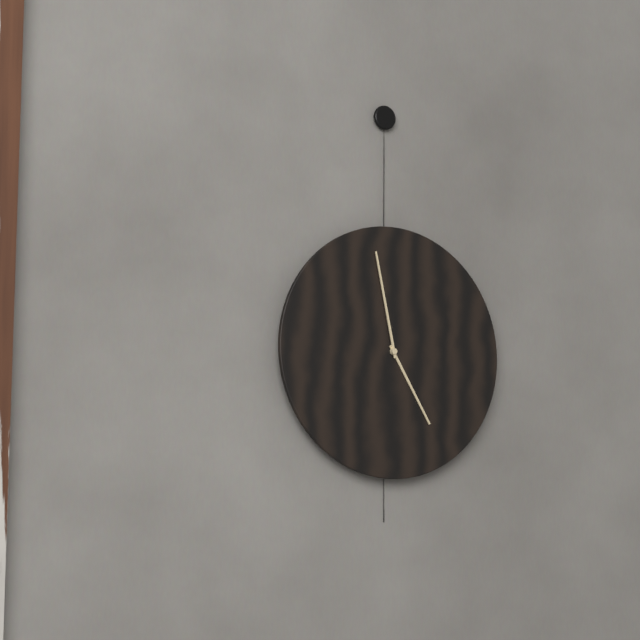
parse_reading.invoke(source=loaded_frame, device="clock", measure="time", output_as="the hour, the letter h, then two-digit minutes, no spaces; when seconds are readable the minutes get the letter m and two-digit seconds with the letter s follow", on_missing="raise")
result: 4h58
